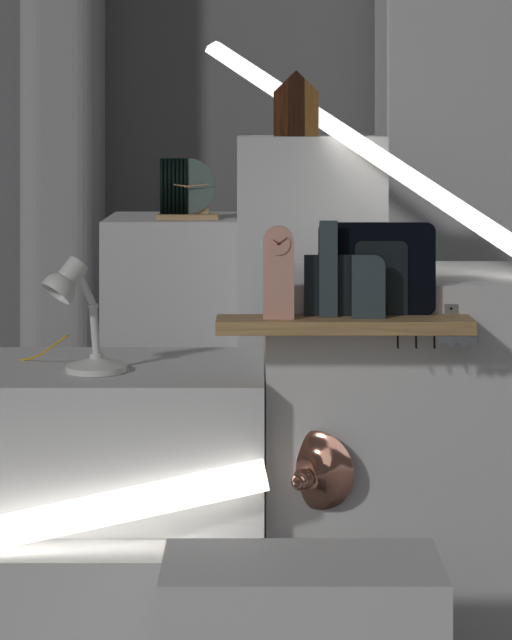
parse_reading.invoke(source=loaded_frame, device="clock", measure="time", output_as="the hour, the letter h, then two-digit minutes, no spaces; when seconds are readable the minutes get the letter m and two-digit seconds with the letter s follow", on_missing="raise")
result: 9h14
